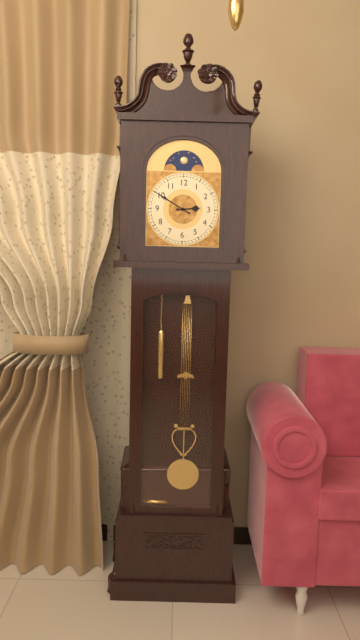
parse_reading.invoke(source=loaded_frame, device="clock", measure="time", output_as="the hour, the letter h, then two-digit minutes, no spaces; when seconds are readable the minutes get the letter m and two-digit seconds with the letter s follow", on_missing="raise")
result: 2h50
